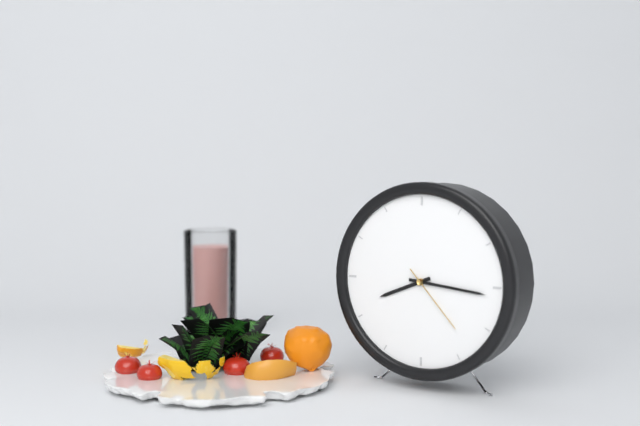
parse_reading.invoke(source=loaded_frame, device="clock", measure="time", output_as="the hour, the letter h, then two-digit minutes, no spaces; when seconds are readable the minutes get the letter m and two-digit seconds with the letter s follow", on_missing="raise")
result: 8h16m23s
